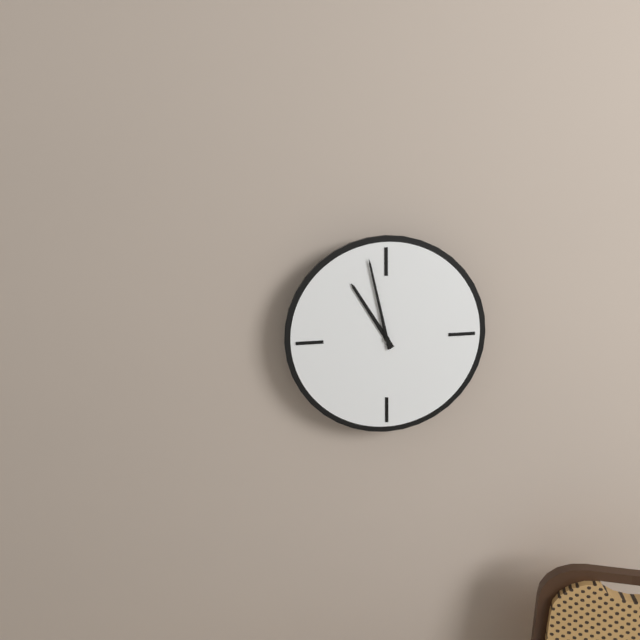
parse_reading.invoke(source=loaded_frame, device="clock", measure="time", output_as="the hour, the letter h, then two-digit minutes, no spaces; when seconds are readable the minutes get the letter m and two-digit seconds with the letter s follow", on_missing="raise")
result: 10h58
